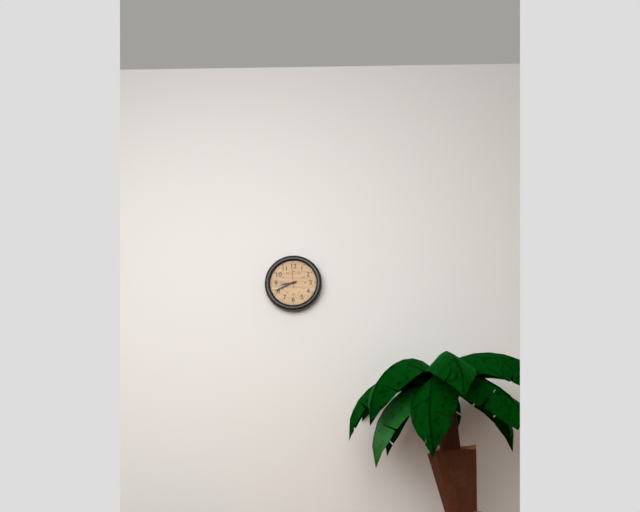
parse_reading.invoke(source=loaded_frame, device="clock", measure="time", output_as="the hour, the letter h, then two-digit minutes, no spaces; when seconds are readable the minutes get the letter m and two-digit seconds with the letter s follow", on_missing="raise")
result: 8h41
